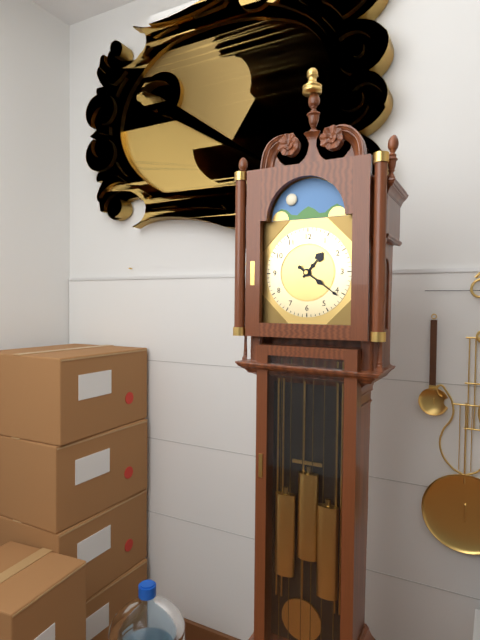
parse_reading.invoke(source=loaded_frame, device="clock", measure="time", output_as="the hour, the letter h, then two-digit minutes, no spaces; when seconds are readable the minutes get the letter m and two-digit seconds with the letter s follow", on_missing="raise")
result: 1h21
